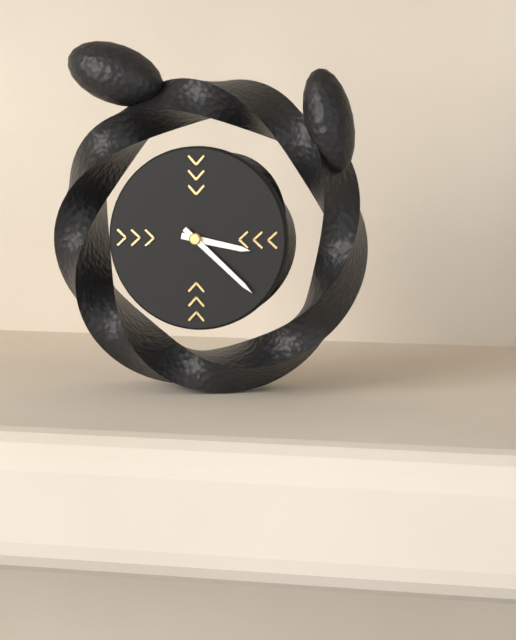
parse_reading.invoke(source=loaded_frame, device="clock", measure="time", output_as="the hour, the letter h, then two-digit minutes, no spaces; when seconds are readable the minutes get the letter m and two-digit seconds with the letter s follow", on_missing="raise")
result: 3h22
